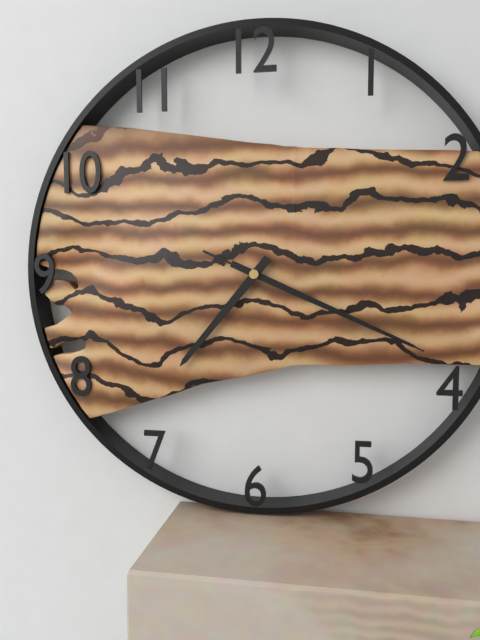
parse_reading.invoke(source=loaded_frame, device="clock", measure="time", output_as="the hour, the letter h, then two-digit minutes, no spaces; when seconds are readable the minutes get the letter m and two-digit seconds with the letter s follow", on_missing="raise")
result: 7h19m19s
